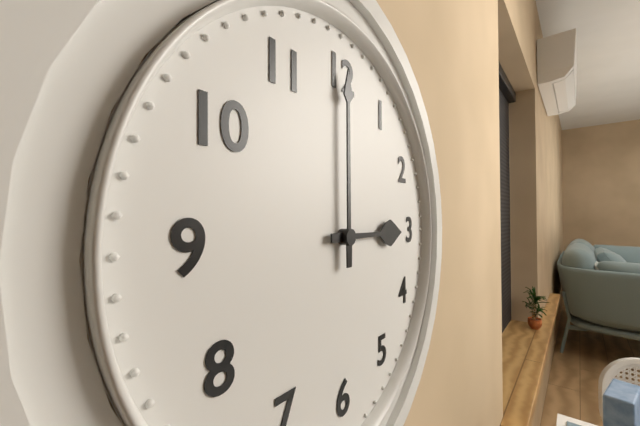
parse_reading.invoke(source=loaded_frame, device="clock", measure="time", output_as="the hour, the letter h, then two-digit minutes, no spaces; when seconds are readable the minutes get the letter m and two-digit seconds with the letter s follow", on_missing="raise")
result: 3h00
